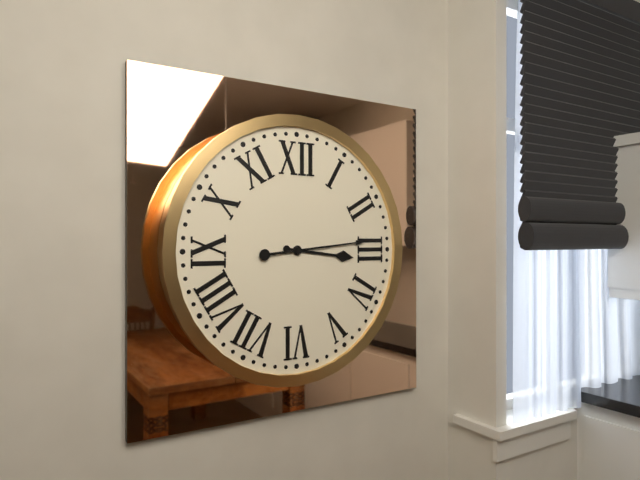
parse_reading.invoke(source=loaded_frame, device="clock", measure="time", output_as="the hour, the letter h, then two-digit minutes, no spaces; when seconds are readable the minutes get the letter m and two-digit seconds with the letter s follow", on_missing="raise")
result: 3h14
